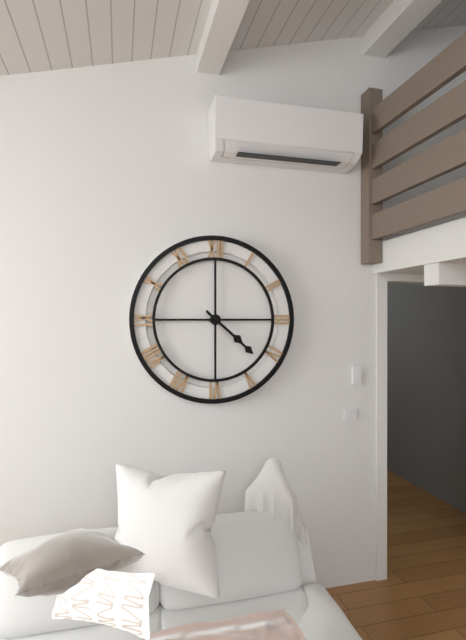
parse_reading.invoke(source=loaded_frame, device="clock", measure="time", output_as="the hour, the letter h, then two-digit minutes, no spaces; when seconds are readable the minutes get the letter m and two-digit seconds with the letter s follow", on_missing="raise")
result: 4h22
